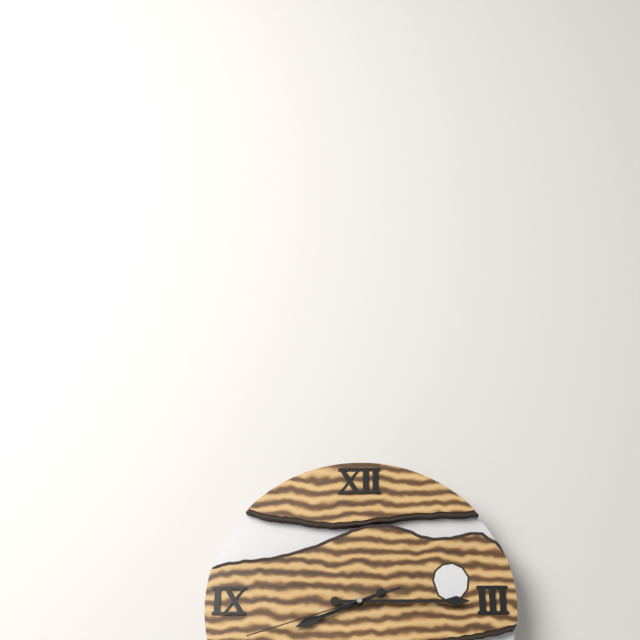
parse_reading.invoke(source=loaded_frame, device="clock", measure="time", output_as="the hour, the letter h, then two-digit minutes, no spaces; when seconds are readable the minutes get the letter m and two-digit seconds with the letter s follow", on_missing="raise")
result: 8h15m42s
